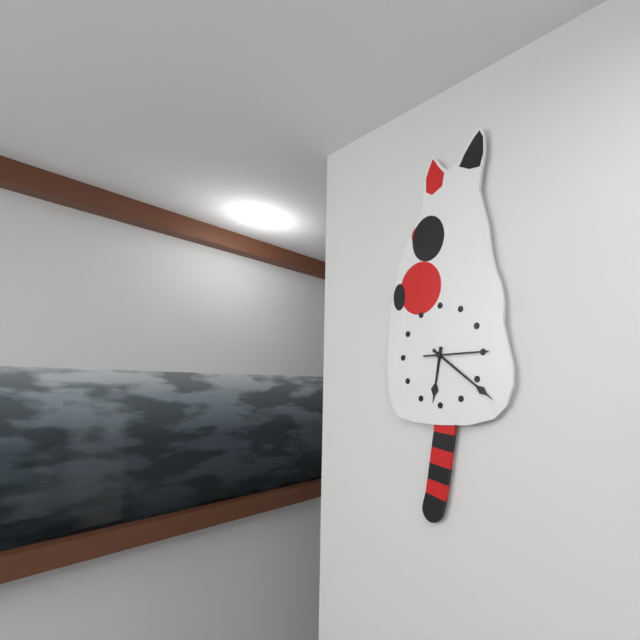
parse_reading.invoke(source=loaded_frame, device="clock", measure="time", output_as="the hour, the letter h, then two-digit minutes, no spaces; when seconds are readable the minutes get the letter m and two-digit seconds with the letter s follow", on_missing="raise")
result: 6h21m15s
